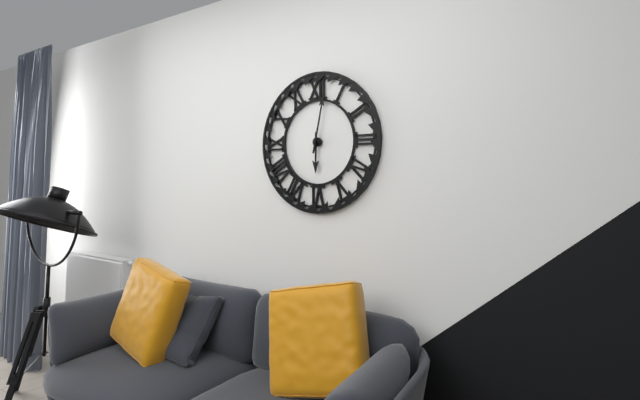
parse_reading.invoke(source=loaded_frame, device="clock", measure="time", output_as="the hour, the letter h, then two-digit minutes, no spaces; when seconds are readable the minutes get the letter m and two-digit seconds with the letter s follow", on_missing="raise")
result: 6h02
